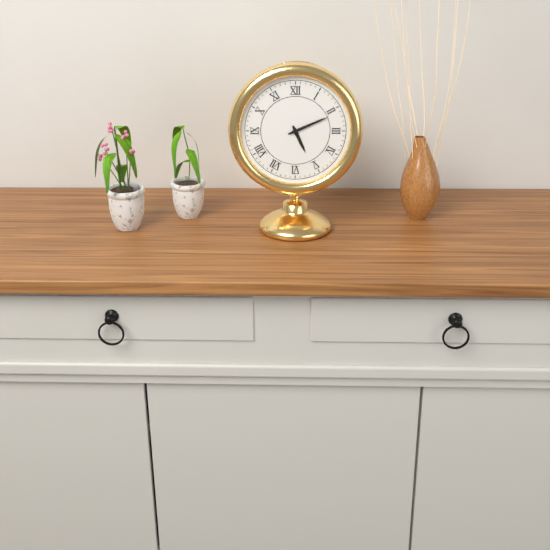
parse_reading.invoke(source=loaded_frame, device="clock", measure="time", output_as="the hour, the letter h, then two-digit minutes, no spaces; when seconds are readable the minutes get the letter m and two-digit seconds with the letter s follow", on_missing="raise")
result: 5h11
